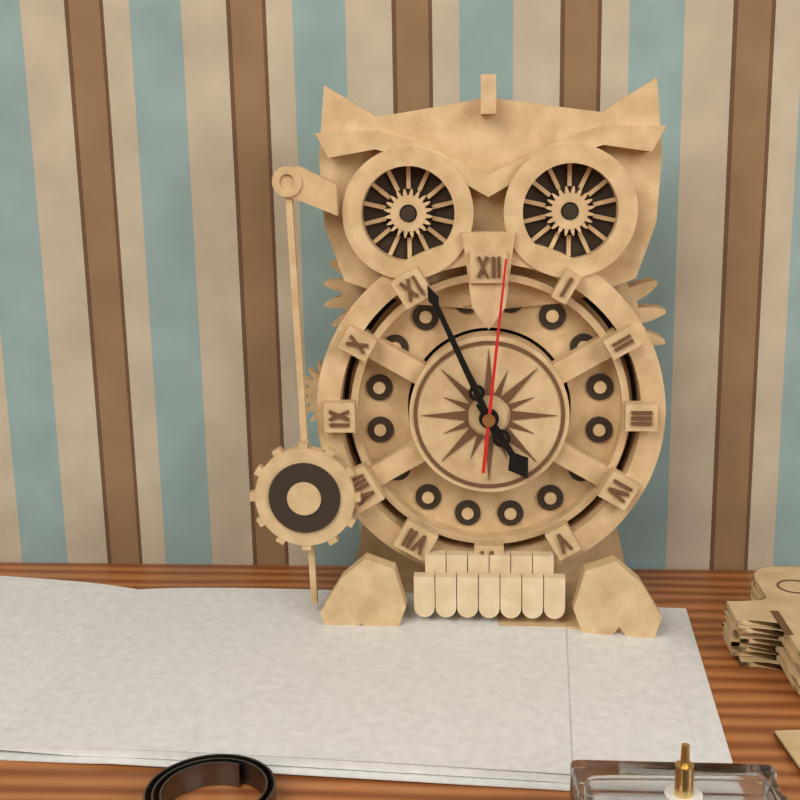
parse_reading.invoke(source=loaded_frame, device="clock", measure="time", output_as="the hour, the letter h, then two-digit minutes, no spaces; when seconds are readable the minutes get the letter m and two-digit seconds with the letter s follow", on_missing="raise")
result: 4h56m01s
